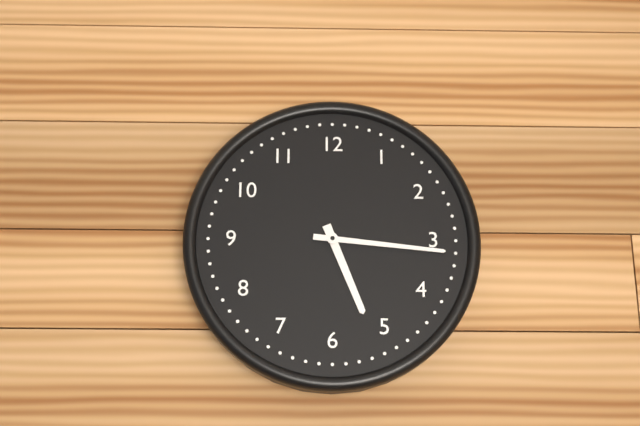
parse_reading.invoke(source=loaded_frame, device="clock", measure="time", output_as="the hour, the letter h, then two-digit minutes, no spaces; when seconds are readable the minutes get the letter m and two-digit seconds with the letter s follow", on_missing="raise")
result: 5h16
